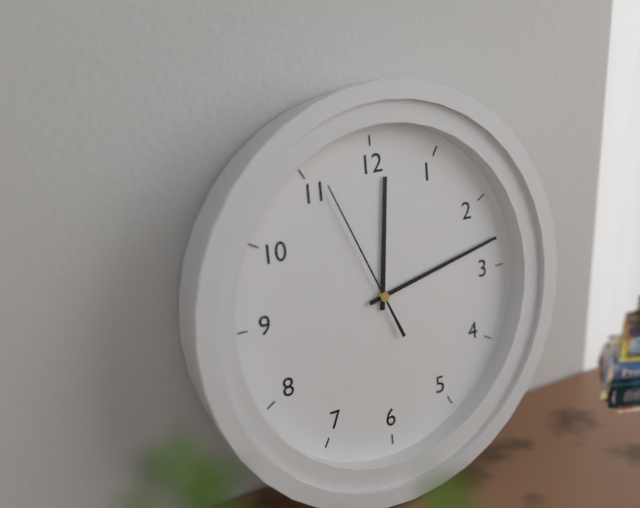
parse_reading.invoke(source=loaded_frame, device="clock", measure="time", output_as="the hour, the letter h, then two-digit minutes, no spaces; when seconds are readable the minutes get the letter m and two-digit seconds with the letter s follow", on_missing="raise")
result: 12h13m56s
